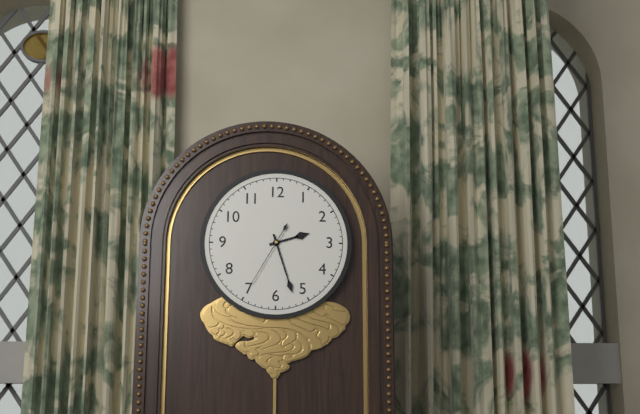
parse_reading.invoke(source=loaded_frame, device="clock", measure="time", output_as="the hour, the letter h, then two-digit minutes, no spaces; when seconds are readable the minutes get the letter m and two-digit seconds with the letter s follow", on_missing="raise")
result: 2h27m35s
